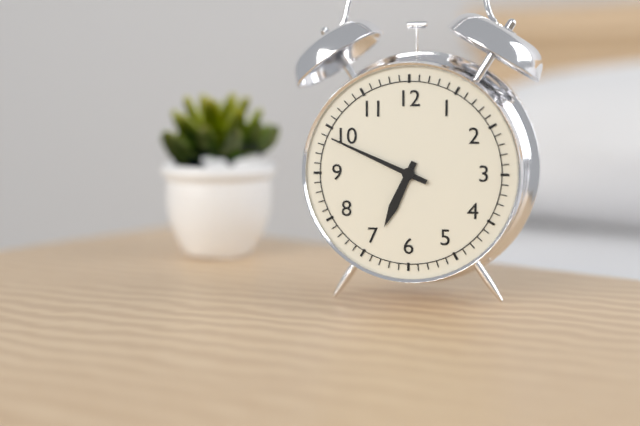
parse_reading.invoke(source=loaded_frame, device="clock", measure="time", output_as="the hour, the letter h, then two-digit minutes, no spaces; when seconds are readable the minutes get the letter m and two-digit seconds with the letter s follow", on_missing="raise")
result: 6h49
